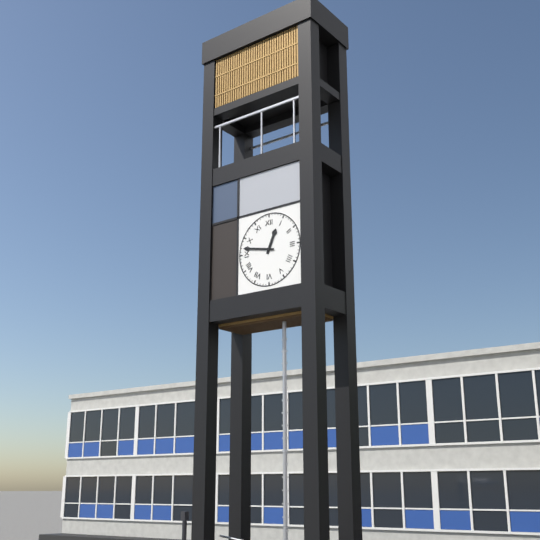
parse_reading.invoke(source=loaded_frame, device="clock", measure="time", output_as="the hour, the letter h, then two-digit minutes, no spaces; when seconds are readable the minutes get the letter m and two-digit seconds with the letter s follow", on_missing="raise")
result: 12h47
